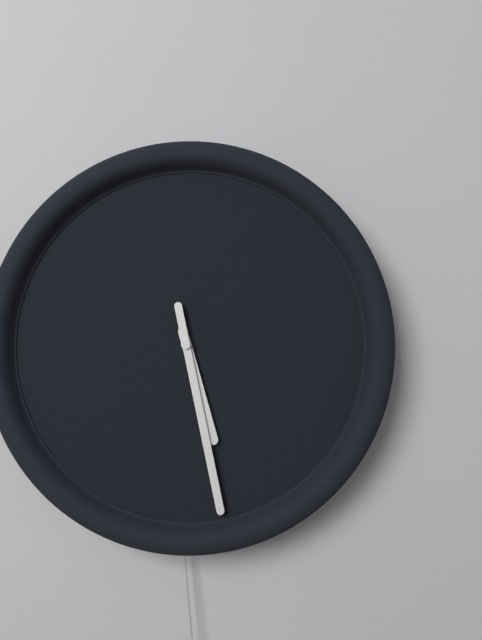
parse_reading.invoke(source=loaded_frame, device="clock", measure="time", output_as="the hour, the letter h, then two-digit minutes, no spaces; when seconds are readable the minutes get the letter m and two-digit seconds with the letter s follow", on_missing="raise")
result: 5h28
